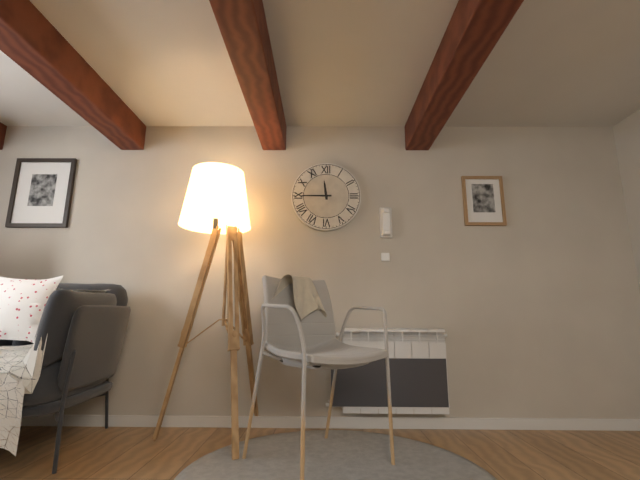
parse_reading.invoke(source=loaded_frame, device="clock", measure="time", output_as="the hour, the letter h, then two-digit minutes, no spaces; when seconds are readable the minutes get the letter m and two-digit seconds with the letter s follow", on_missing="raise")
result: 11h45
